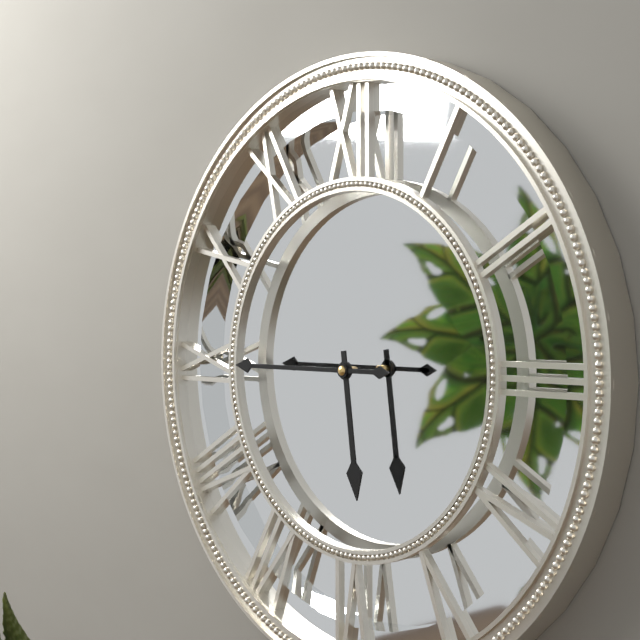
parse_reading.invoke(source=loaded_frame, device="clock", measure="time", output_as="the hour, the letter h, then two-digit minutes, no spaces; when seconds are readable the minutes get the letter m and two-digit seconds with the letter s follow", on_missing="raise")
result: 5h45
